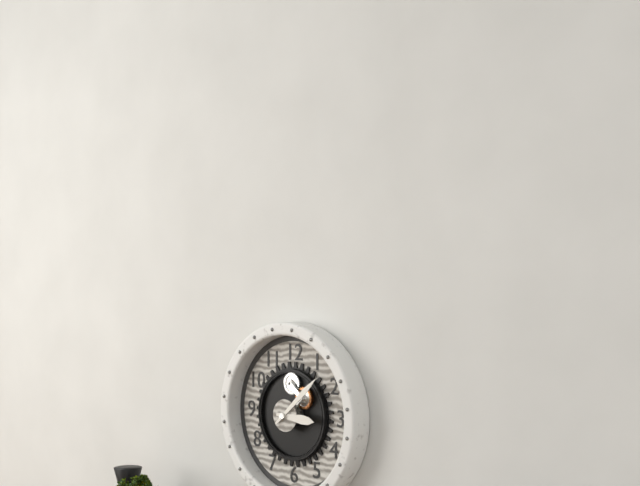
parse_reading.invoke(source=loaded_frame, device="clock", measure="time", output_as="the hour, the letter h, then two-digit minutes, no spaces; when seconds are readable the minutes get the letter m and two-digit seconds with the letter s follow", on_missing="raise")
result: 3h08
